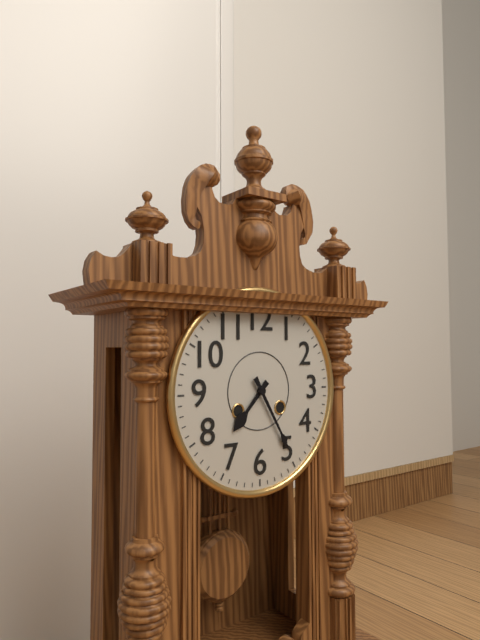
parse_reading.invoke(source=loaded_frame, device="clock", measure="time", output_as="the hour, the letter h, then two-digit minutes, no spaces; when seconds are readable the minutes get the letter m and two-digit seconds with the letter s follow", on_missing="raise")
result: 7h25
